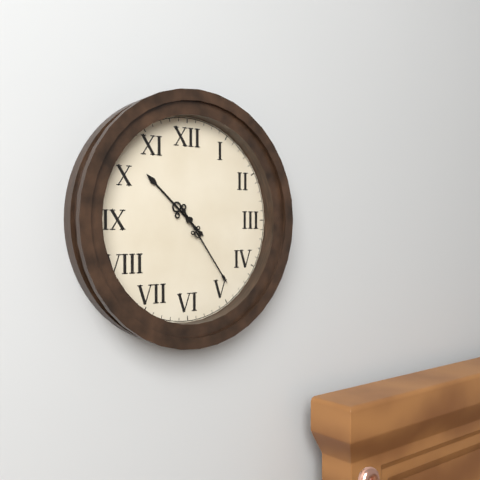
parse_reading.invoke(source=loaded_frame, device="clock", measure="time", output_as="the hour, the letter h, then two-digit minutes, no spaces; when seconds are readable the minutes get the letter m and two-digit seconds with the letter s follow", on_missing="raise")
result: 10h24
